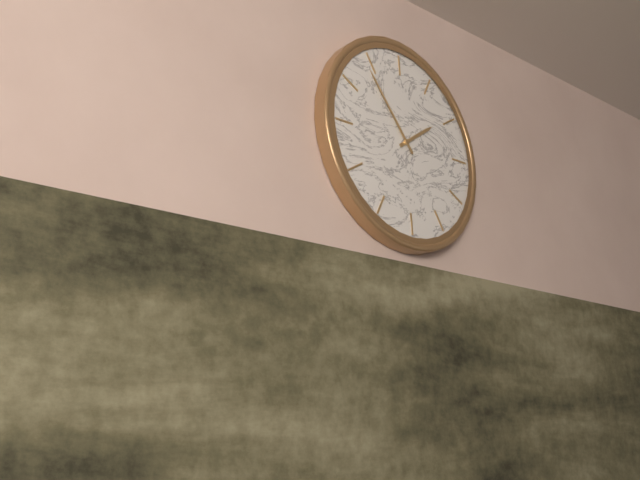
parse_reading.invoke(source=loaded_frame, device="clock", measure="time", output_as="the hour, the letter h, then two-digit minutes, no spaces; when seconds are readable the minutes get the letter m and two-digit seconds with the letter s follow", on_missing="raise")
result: 1h54
